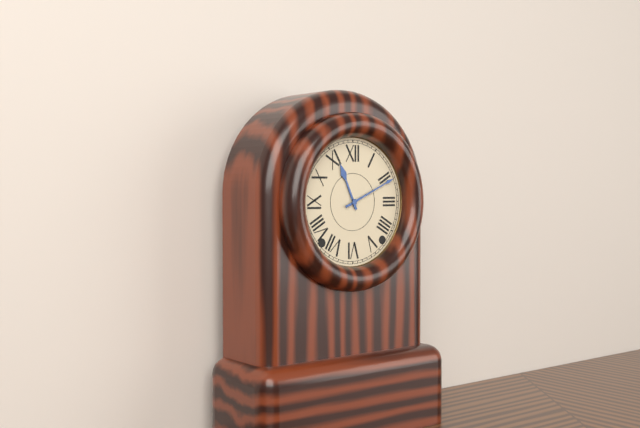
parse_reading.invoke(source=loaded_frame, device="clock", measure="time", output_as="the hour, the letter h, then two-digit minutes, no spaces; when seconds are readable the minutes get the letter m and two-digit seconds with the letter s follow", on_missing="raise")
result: 11h11
